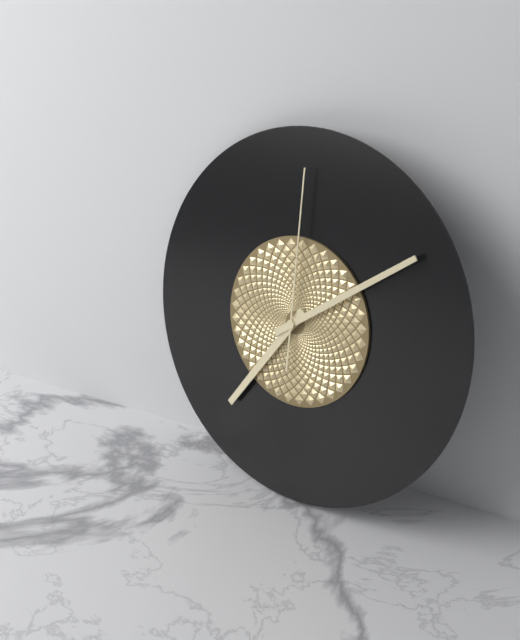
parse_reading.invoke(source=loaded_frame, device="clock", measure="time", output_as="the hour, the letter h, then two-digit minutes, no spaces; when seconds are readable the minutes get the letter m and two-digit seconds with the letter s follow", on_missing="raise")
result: 7h09m00s
